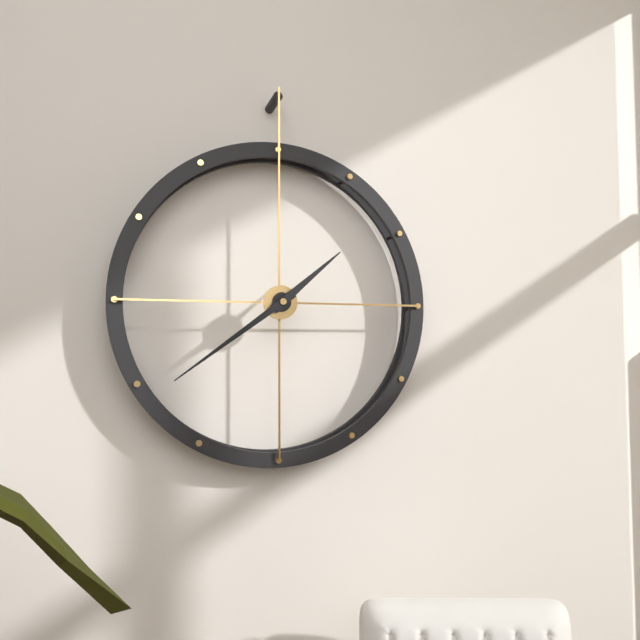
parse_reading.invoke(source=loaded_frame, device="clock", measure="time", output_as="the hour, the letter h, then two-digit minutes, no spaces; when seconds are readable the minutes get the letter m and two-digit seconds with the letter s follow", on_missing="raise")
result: 1h39
